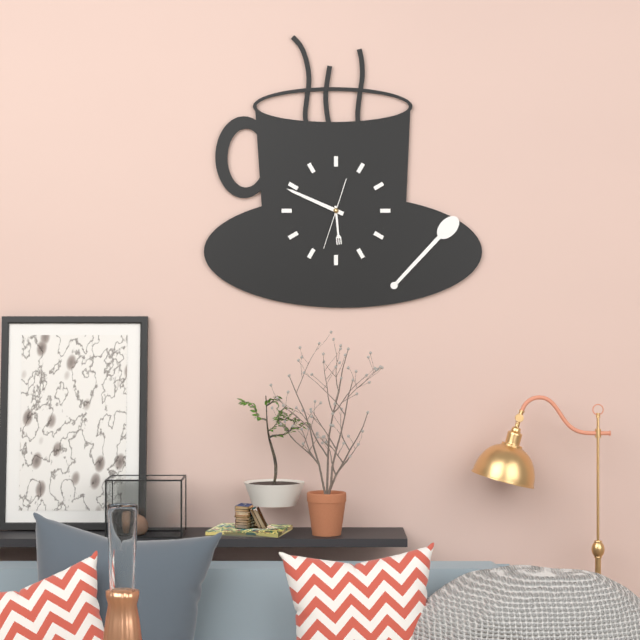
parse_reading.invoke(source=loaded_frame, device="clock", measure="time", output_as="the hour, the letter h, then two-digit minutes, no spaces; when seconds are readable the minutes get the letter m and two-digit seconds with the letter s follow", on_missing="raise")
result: 5h49
